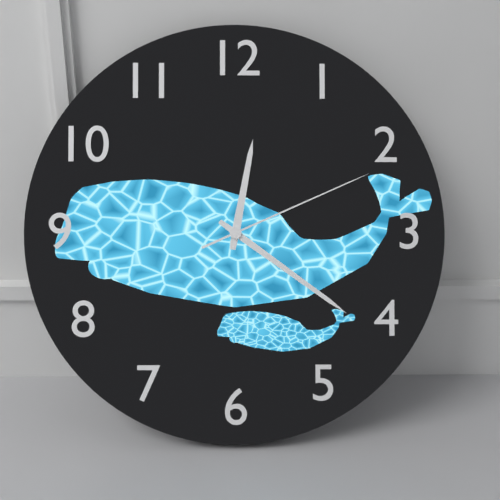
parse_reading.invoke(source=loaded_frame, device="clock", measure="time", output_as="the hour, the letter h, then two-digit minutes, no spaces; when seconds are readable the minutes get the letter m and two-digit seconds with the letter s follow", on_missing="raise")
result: 12h21m11s
